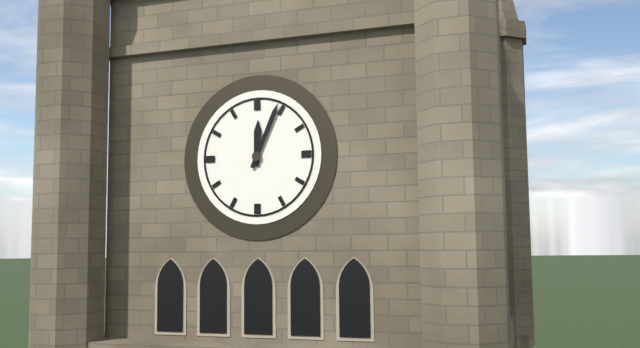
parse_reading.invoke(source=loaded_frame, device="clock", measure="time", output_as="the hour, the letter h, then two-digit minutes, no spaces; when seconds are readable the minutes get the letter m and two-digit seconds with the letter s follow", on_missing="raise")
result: 12h04
